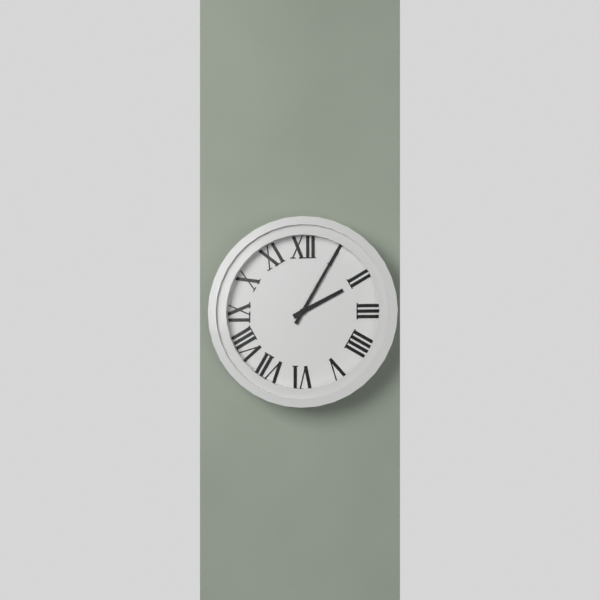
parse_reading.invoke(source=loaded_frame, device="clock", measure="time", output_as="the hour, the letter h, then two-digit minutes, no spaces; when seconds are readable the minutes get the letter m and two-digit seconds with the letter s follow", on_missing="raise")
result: 2h05
